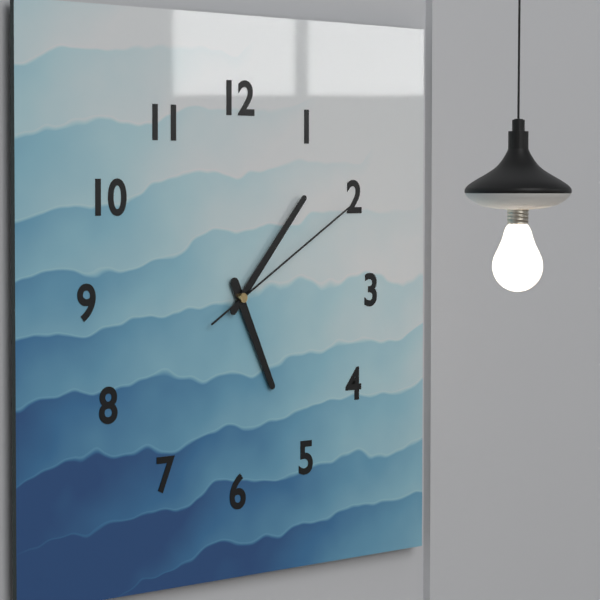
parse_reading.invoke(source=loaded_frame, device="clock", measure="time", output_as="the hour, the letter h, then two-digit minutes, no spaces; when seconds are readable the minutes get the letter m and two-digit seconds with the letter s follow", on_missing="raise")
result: 5h07m10s
